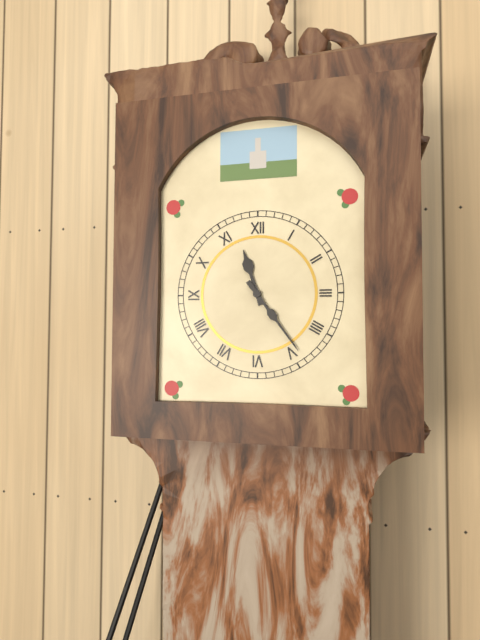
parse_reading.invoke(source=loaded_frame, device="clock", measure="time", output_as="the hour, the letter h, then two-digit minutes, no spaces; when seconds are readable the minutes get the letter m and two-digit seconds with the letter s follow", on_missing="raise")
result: 11h24
